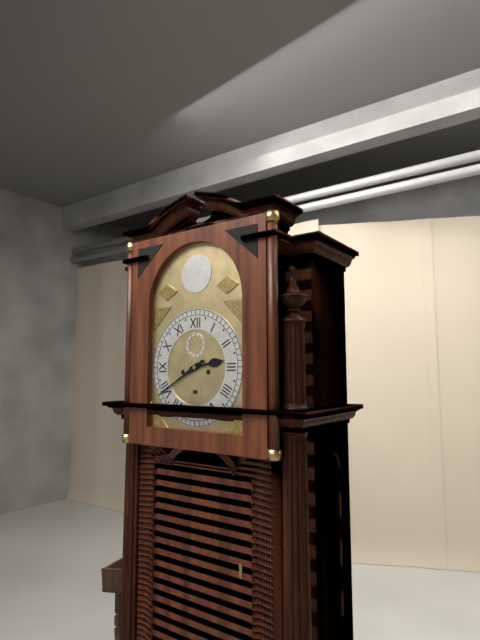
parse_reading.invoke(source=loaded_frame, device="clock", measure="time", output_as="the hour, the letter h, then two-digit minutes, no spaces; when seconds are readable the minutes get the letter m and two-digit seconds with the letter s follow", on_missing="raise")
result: 2h40
